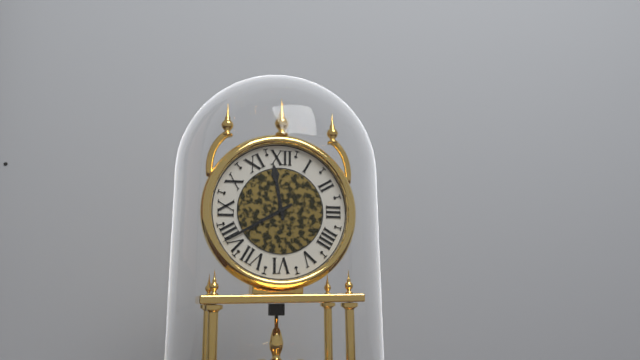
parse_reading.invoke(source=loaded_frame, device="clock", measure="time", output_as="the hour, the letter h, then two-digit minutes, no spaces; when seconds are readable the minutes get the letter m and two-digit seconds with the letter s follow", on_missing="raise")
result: 11h40
